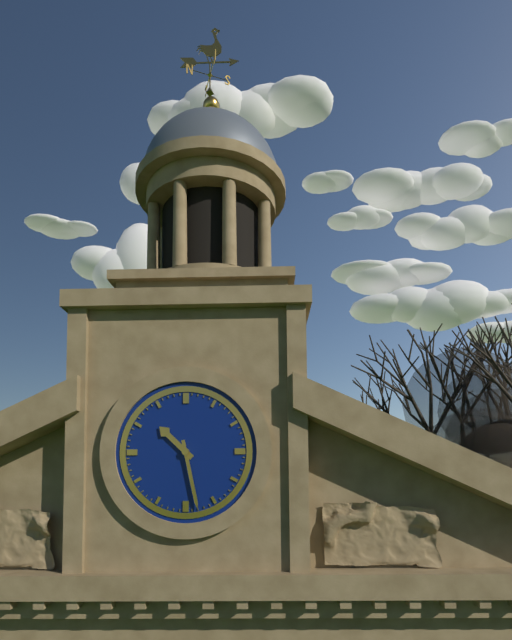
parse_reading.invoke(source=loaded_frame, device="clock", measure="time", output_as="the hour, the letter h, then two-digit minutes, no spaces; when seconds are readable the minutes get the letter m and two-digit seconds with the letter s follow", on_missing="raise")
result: 10h28
